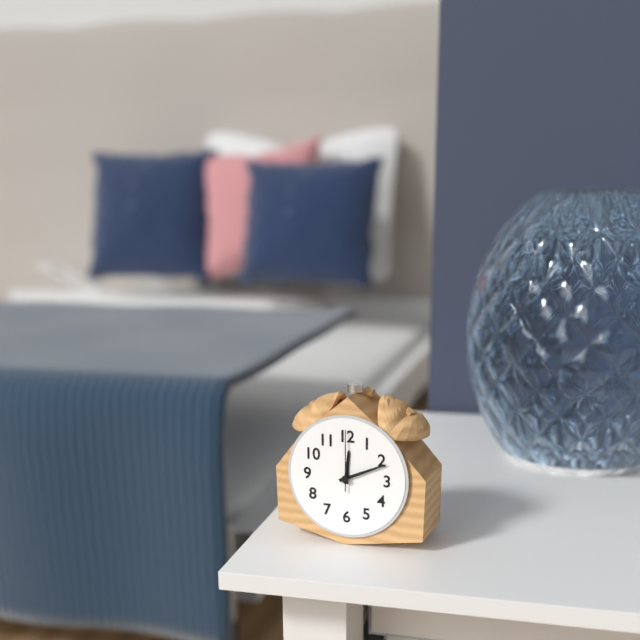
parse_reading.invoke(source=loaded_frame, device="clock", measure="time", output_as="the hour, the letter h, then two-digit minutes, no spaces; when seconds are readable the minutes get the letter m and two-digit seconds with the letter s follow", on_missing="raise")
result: 12h11m00s
